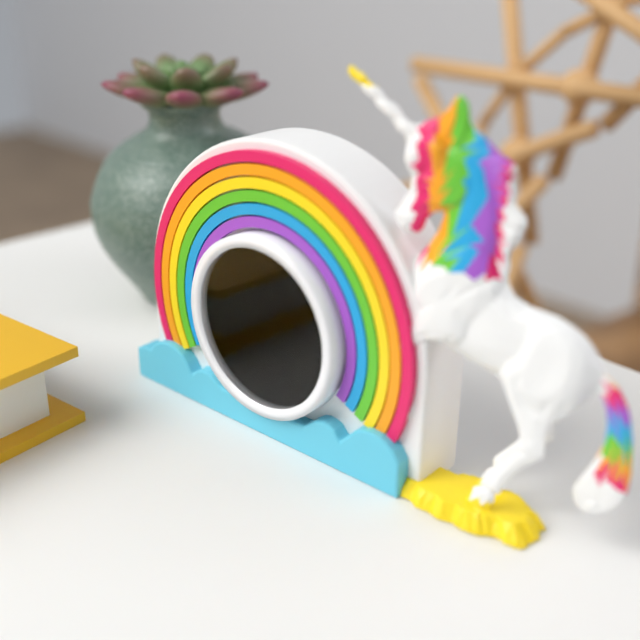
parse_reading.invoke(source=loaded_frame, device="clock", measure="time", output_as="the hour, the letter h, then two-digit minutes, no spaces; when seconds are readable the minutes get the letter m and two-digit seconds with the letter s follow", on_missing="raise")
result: 1h32
